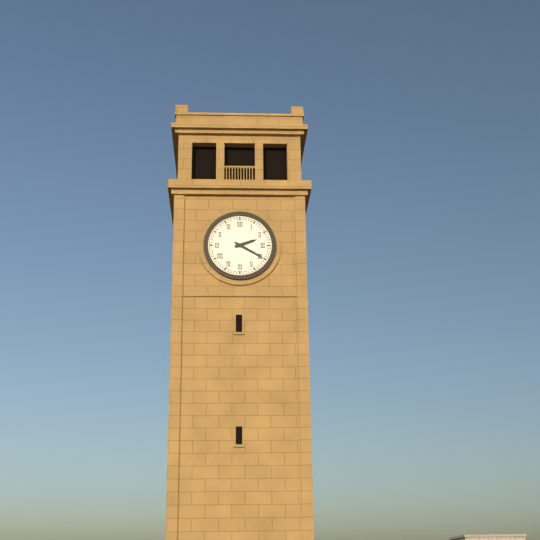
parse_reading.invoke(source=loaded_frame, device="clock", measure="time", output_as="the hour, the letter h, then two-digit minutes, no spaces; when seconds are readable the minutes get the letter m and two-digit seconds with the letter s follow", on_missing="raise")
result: 2h20
